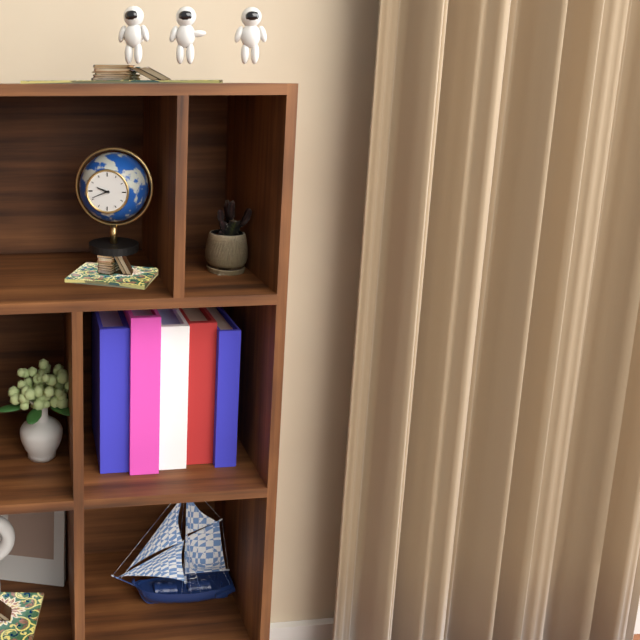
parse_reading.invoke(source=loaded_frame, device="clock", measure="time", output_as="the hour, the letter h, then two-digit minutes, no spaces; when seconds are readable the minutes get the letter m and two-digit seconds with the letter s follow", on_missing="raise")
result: 9h41
